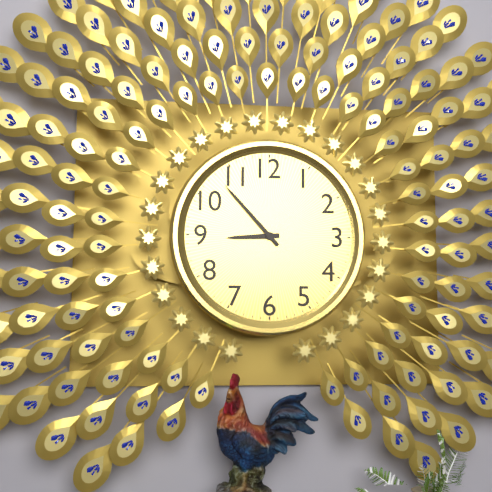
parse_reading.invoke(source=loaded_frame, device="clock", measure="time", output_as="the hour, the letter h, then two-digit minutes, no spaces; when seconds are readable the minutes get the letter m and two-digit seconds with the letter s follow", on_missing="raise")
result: 8h53
